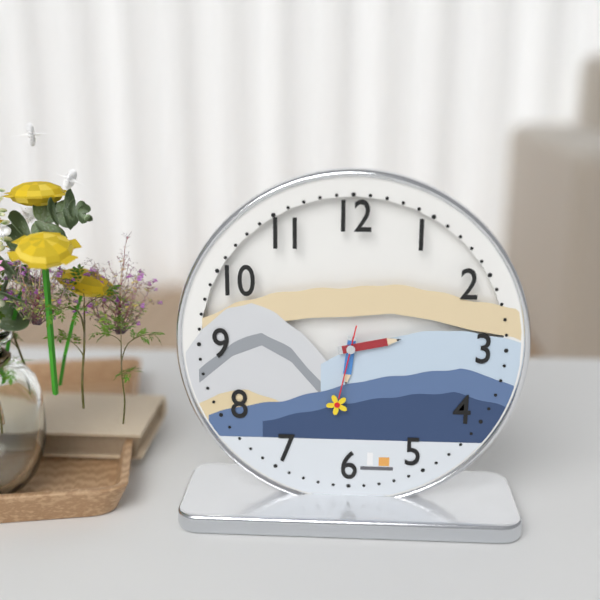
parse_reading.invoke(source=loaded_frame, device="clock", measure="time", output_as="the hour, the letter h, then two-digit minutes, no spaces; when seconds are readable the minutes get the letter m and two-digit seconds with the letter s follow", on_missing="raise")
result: 6h13m32s
